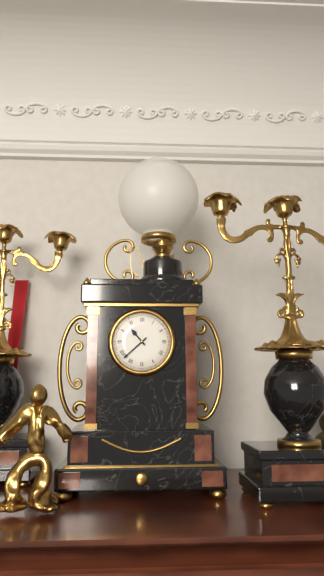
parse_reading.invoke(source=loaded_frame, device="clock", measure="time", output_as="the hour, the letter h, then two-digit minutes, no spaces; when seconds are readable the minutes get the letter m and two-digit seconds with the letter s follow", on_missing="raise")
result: 10h38
